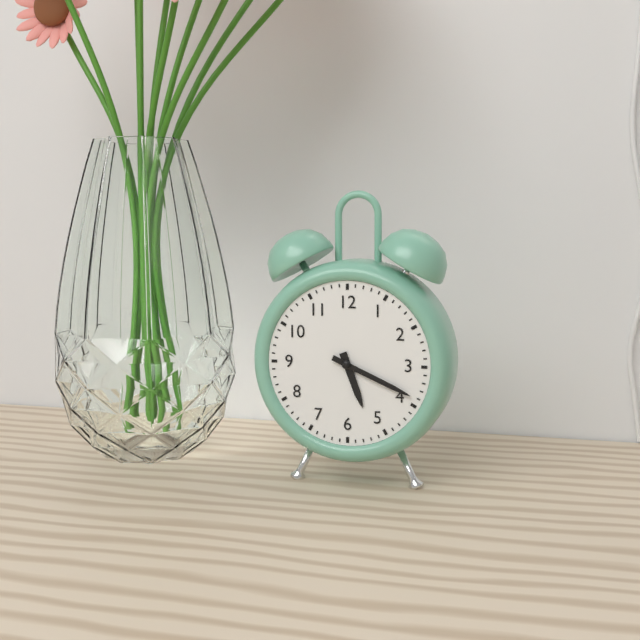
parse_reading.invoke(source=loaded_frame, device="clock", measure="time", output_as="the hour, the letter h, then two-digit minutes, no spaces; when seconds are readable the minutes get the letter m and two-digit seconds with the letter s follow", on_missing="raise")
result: 5h19
